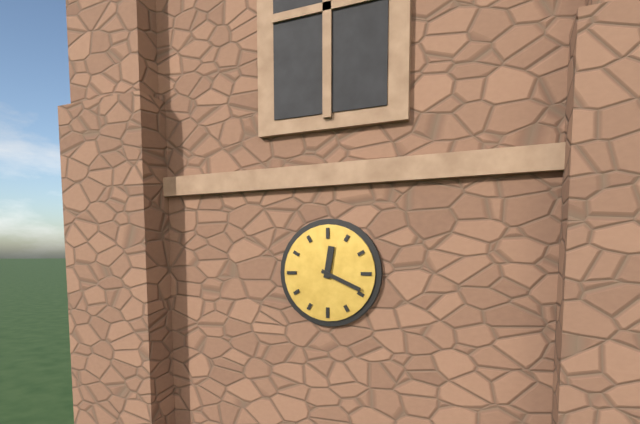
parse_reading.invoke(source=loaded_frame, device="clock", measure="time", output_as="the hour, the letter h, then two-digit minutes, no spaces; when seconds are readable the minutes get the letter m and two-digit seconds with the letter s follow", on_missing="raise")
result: 12h19
